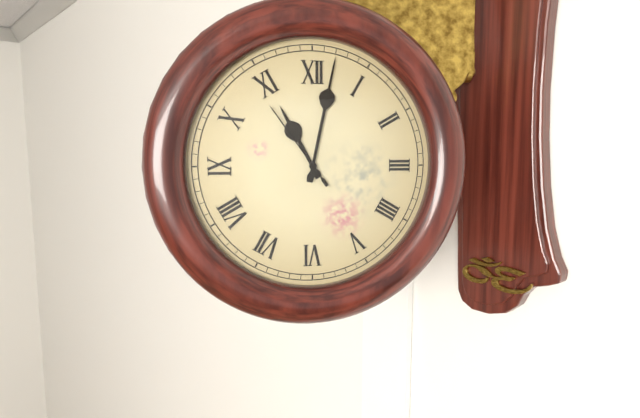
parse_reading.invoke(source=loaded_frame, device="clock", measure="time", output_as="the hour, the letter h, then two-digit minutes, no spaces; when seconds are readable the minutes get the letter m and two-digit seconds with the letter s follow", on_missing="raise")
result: 11h02m54s
